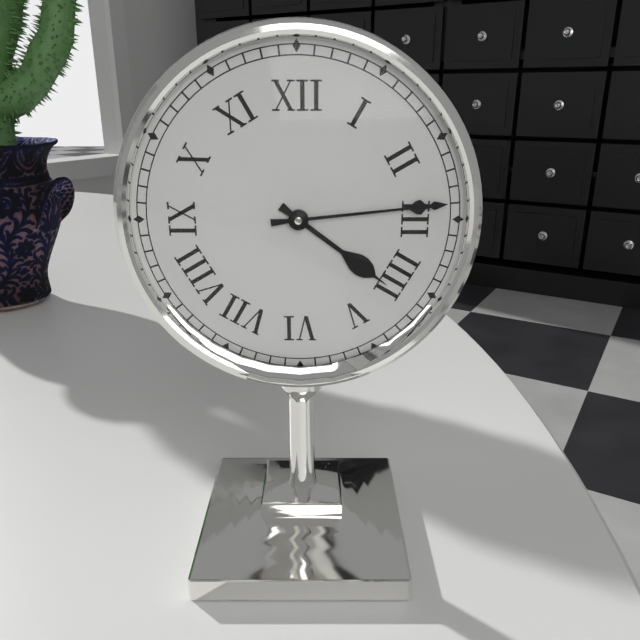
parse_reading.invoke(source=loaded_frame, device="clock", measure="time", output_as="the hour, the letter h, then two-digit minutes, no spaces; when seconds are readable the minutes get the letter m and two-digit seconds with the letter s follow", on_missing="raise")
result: 4h14
